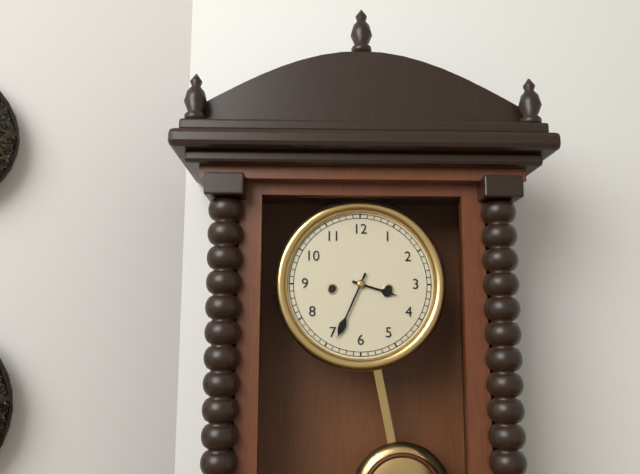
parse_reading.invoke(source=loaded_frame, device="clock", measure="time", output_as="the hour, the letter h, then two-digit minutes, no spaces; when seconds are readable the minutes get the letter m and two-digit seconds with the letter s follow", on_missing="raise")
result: 3h34
